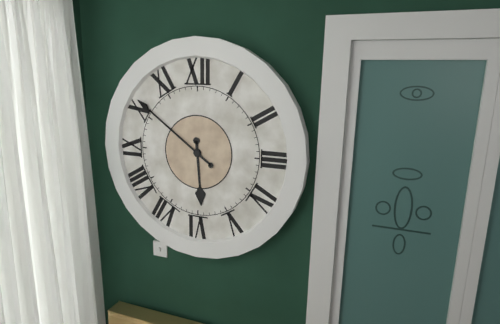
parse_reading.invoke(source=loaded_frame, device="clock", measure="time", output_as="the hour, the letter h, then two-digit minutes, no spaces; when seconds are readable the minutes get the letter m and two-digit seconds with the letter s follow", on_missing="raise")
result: 5h51
